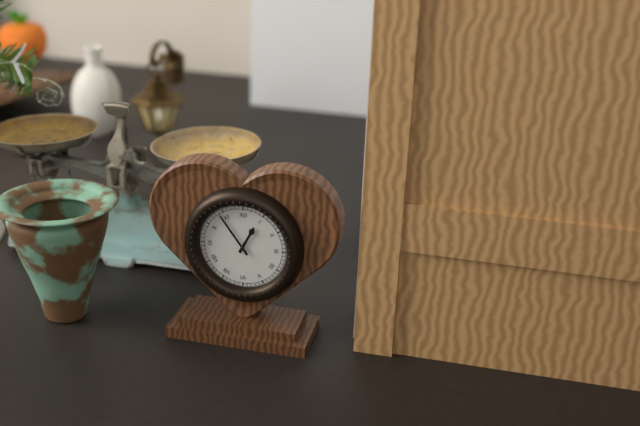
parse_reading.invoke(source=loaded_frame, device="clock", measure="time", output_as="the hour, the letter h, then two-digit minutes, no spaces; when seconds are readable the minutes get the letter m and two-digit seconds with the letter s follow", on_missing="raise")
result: 12h54
